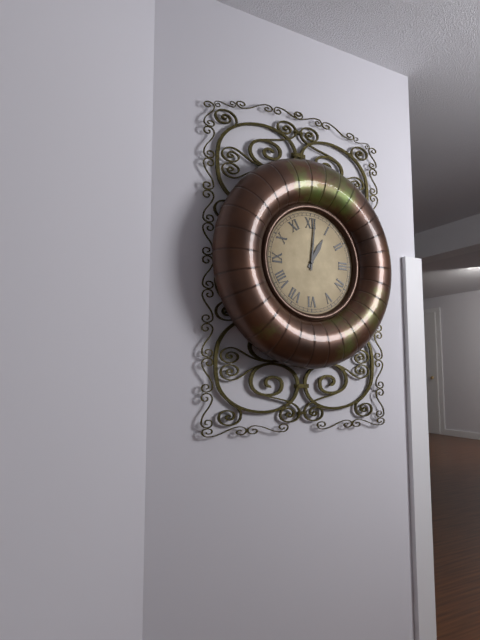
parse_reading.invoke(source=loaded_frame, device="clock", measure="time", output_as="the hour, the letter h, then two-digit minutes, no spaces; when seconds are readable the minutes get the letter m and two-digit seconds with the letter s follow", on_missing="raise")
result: 1h01
